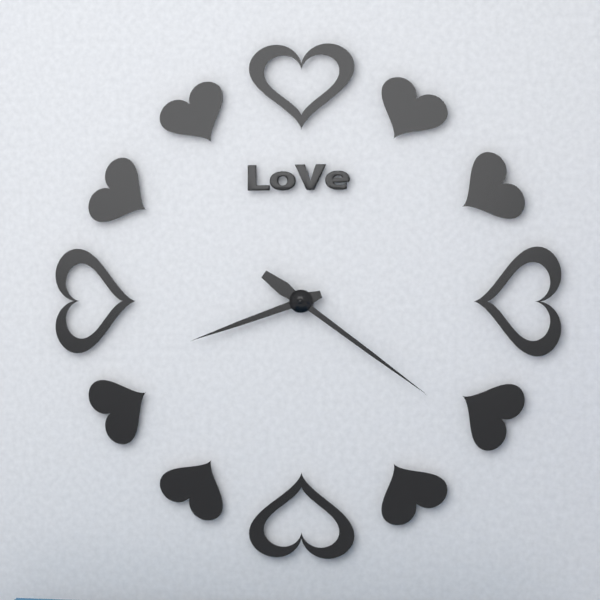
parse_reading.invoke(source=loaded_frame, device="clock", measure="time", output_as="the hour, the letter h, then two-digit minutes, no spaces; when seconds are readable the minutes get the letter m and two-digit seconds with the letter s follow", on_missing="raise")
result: 8h21
